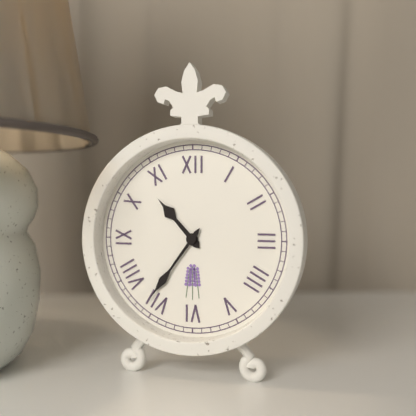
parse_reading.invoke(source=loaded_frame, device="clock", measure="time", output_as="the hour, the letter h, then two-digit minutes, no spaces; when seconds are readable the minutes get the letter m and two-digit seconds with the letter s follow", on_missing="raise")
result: 10h36
